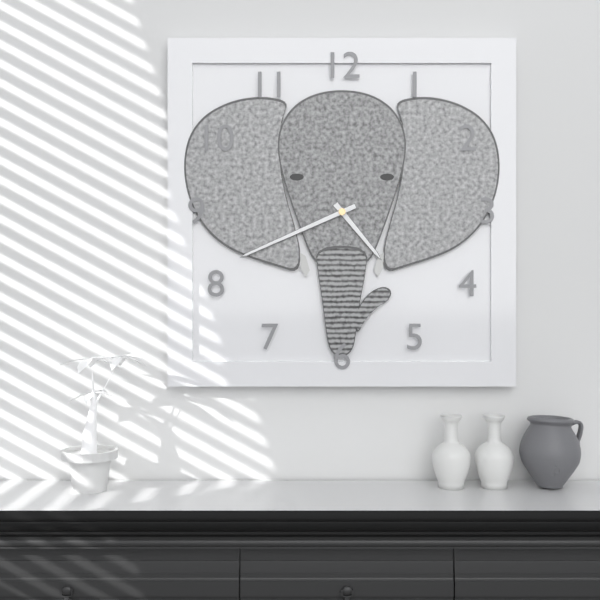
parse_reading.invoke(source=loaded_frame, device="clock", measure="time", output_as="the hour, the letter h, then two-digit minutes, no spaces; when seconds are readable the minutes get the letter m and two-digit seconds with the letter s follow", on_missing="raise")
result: 4h41
